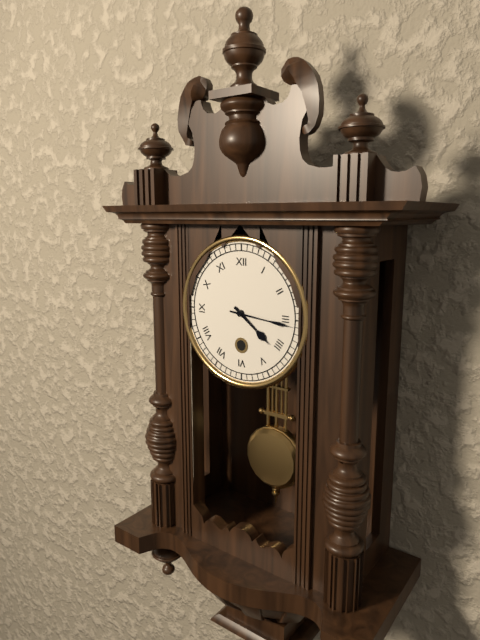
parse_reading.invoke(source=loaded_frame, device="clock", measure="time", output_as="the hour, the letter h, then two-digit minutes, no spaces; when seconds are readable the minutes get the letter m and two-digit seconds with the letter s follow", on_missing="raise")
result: 4h16
